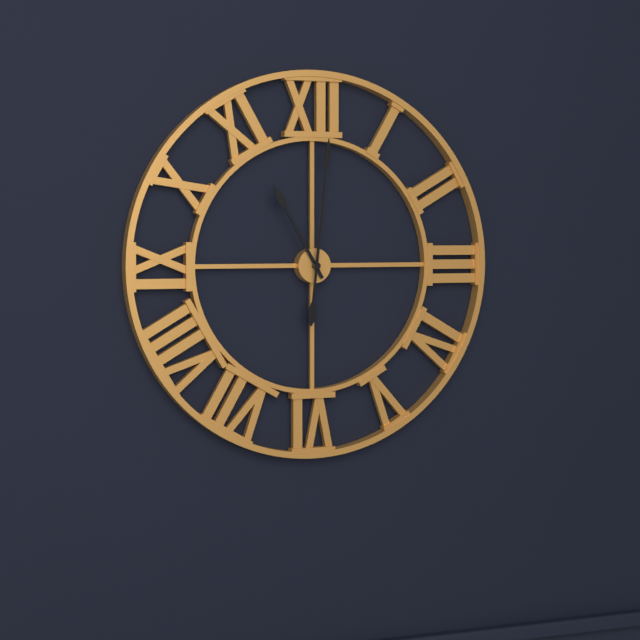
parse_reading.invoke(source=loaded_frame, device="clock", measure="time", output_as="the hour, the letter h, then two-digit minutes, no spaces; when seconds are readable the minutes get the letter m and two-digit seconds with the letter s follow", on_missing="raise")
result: 11h01
